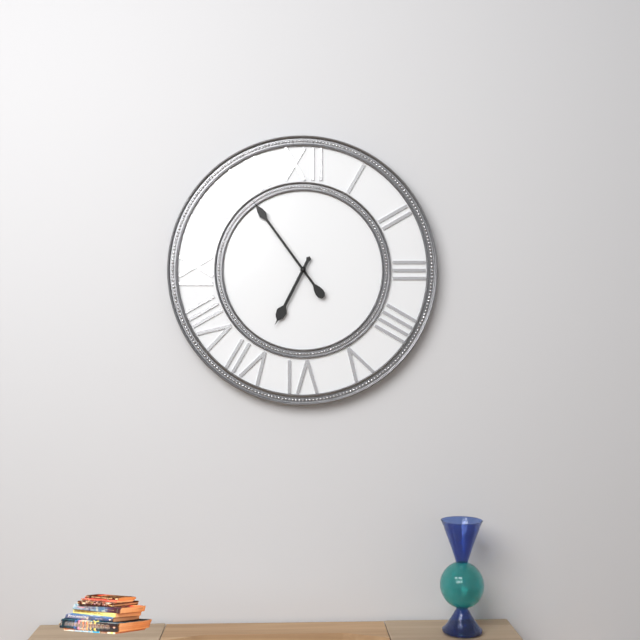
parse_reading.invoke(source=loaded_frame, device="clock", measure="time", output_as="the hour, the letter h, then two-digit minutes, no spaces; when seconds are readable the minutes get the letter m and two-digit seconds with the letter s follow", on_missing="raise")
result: 6h54
